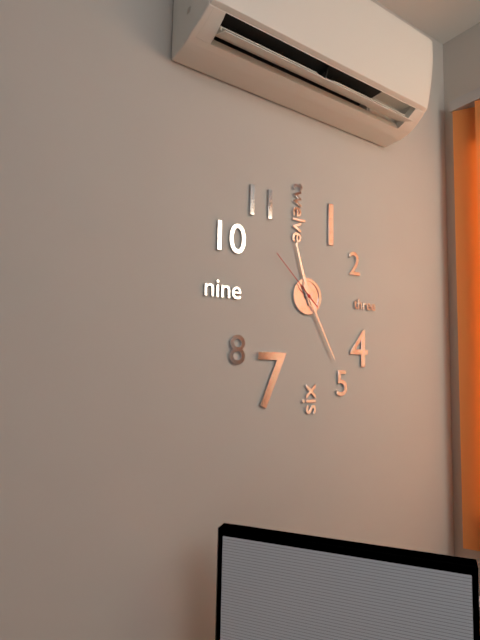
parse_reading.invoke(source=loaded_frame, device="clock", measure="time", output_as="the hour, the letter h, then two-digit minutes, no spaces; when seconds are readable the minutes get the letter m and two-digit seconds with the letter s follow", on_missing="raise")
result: 11h25m52s
